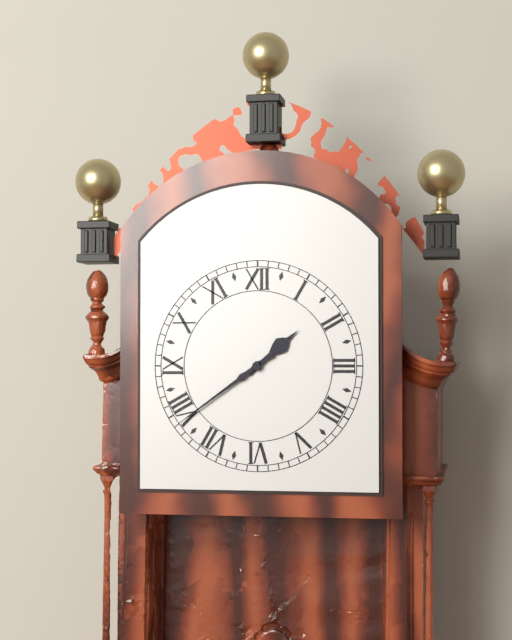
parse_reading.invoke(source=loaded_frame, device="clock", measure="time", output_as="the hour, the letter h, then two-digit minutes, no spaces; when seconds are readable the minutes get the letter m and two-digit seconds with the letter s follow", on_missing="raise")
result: 1h39
